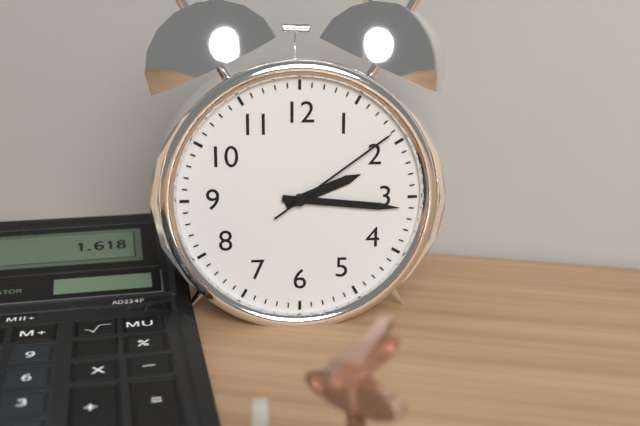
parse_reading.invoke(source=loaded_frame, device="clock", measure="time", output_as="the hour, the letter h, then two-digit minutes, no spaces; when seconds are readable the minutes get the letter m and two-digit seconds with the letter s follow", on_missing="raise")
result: 2h16m09s
